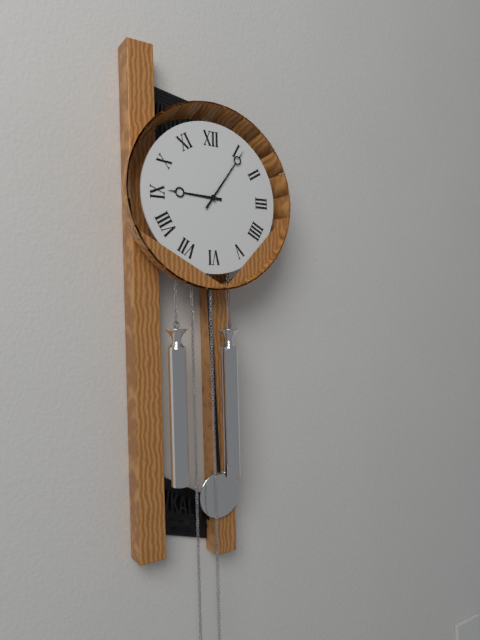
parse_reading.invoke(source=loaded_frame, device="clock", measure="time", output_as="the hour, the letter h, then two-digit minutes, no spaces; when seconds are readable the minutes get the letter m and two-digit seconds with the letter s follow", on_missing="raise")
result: 9h06
